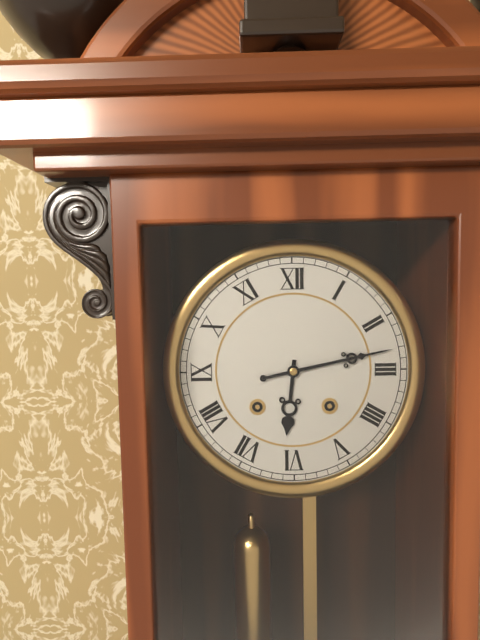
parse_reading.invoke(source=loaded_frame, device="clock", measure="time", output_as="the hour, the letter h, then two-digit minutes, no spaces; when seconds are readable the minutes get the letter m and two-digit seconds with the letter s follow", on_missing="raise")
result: 6h13
